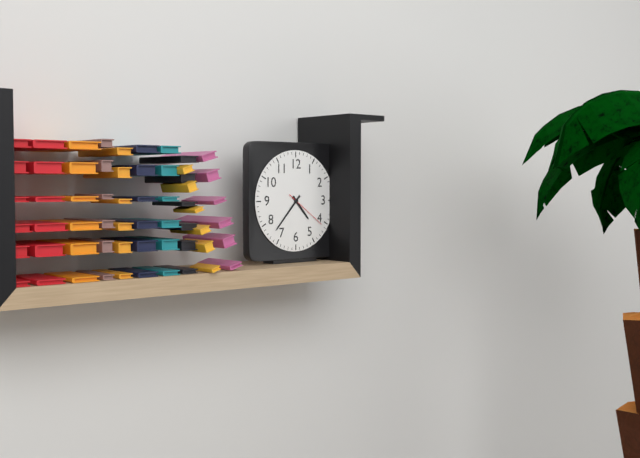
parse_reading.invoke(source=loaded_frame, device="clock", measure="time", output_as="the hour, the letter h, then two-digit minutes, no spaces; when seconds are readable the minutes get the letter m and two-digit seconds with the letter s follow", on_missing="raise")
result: 4h37
